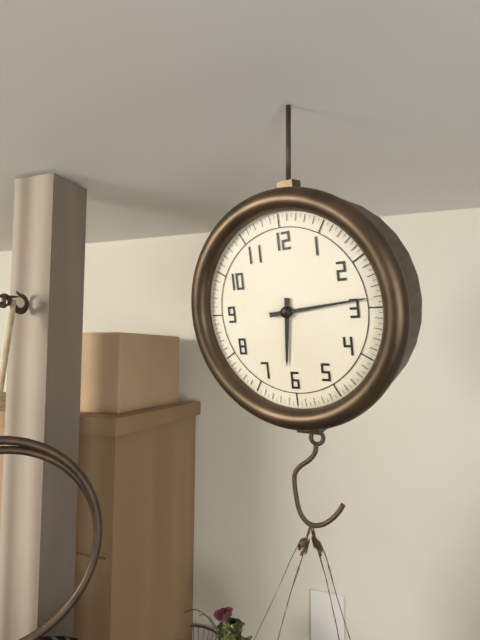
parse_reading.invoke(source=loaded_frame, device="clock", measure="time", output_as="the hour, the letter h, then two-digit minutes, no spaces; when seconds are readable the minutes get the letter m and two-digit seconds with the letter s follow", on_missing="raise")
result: 6h14
